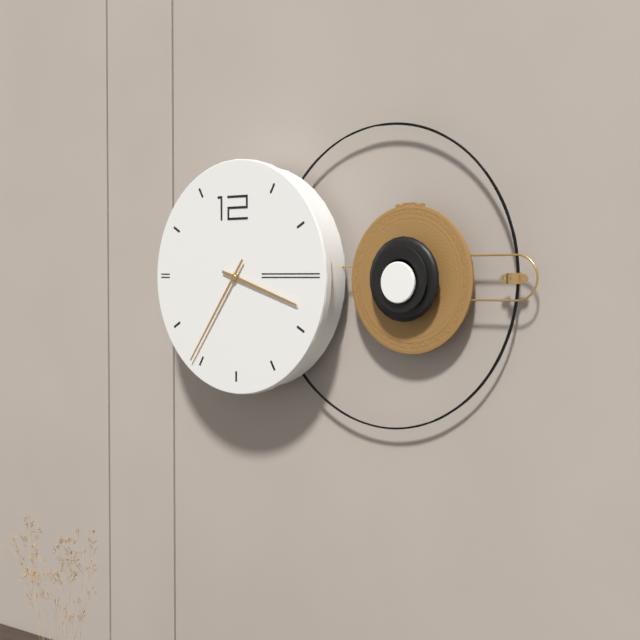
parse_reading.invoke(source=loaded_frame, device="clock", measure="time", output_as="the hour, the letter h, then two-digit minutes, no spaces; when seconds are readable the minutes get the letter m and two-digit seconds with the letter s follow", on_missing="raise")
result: 3h36
